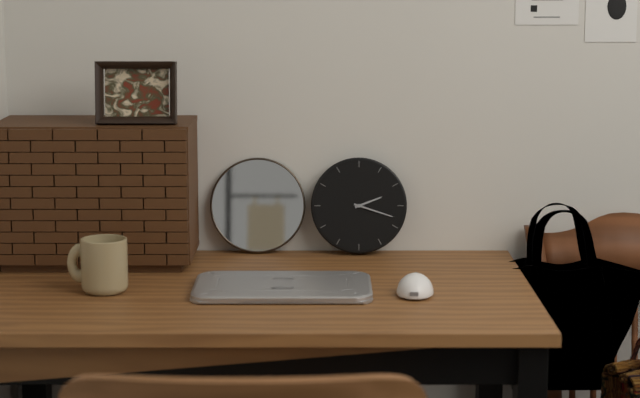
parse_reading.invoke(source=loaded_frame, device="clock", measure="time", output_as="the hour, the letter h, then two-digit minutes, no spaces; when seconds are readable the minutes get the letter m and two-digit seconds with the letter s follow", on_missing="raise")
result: 2h18
